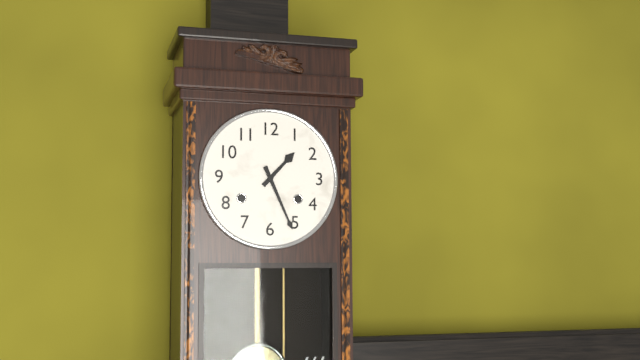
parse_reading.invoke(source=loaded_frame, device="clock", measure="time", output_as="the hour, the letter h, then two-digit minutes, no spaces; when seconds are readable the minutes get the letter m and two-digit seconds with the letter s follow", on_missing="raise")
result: 1h26
